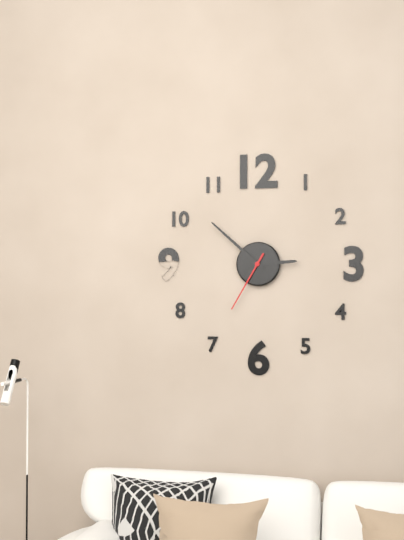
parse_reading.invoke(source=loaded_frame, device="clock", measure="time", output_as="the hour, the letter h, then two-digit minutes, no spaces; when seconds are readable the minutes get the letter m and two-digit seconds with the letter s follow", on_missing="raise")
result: 2h52m35s
